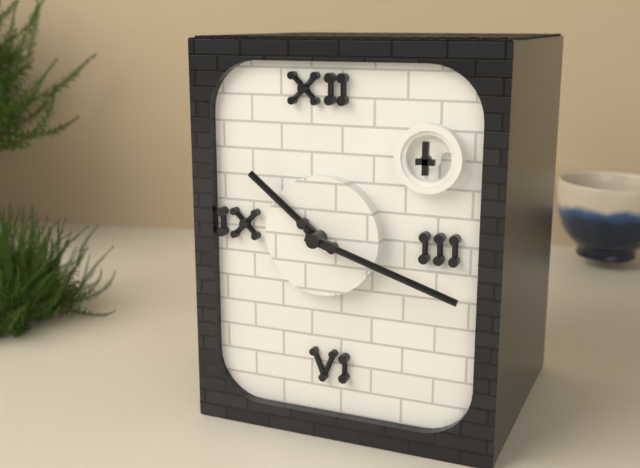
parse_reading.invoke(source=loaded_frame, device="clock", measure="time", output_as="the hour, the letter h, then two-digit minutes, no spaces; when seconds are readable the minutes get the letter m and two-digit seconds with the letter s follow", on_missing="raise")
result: 10h18
